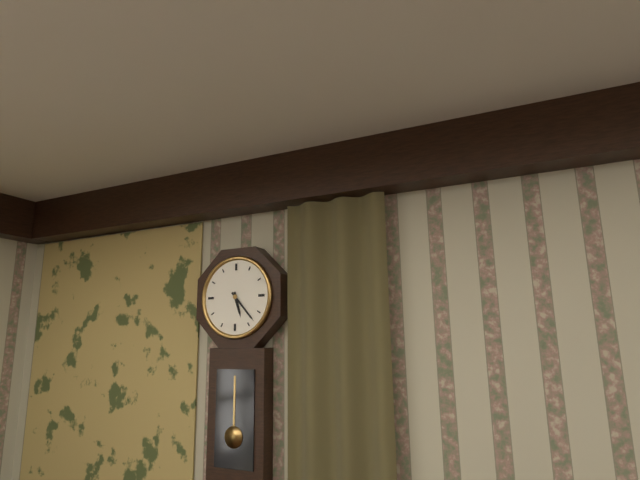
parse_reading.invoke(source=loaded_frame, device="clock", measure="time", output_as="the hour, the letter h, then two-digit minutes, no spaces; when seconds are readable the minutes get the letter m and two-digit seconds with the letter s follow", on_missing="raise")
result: 5h23
